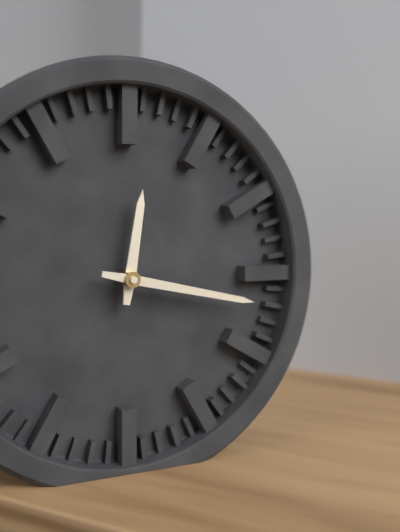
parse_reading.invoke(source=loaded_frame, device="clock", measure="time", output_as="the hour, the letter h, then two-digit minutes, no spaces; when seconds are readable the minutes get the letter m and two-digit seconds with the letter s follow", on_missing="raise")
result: 12h17
